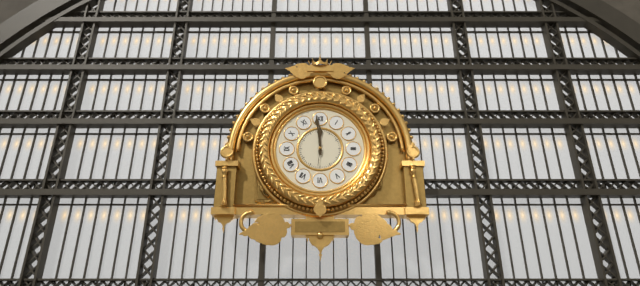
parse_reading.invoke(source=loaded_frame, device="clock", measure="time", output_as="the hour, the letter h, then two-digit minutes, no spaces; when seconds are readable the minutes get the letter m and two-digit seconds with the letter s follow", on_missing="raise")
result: 11h59
